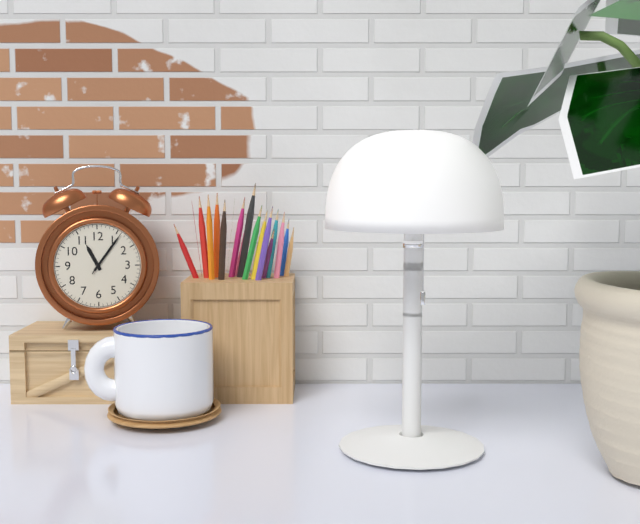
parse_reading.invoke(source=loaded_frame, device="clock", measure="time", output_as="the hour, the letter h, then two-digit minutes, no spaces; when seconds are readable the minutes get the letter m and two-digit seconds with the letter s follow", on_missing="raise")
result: 11h06
